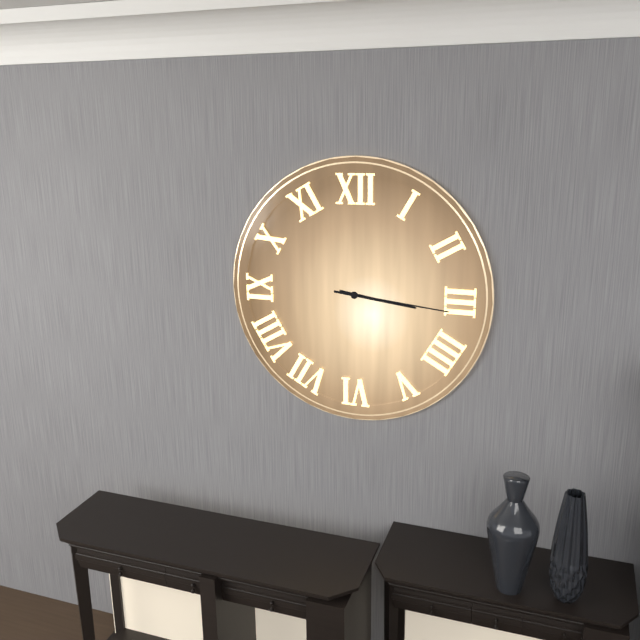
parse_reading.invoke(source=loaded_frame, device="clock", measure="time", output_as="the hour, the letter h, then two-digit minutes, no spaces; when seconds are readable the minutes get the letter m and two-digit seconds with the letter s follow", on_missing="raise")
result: 3h16
